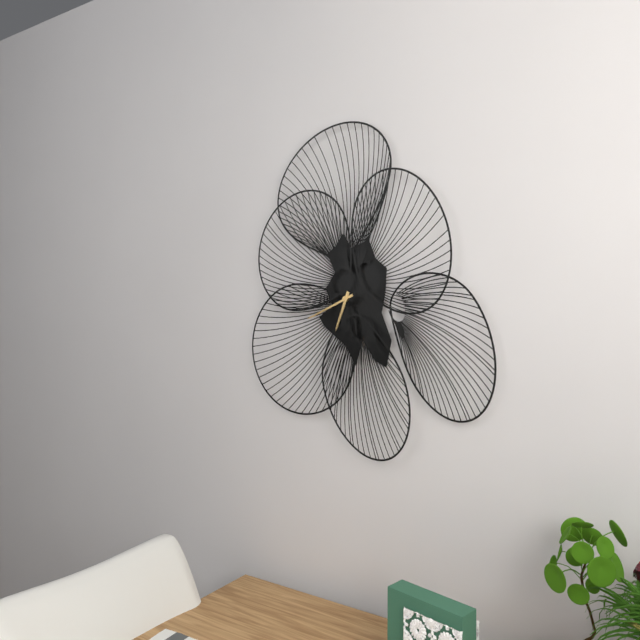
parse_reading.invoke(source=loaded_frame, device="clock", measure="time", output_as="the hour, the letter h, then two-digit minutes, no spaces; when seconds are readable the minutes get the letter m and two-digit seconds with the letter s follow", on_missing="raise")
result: 6h41
